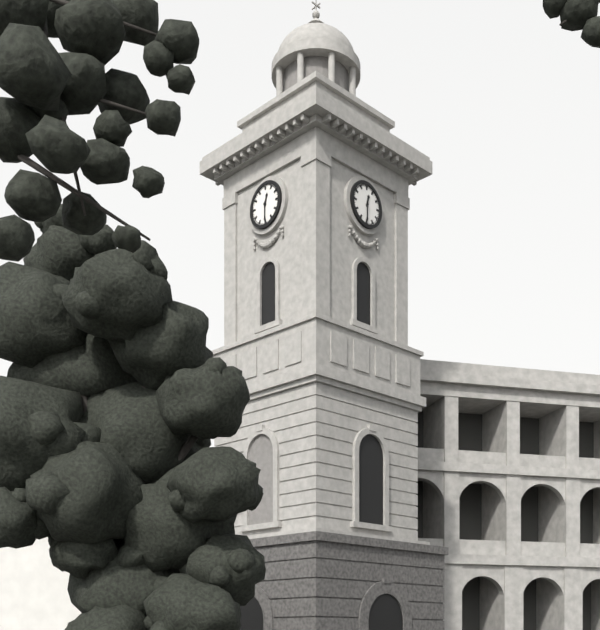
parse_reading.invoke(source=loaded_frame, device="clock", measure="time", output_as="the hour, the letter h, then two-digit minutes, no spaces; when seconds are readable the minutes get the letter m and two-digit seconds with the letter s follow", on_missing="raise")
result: 12h30
